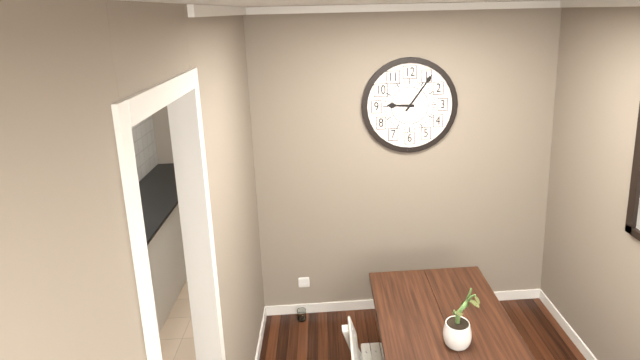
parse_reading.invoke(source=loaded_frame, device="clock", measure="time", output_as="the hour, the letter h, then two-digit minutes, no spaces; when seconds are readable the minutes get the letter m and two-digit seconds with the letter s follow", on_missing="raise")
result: 9h06
